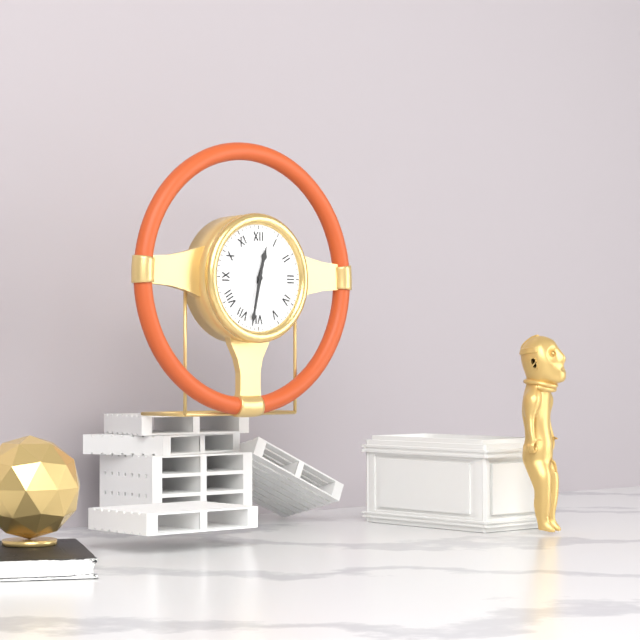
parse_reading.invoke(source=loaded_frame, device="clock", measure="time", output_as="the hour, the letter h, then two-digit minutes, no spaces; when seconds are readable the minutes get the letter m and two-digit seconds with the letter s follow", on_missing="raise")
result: 12h32
